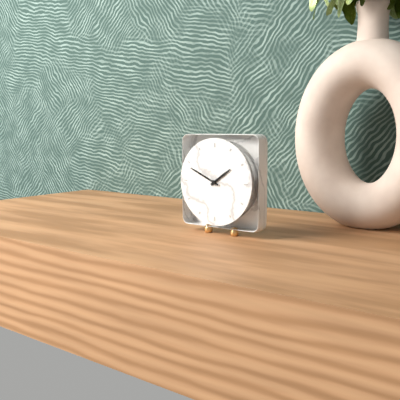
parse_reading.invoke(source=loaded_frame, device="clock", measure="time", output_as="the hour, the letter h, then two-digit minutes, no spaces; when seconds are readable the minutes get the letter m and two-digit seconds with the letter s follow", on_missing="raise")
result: 1h49
